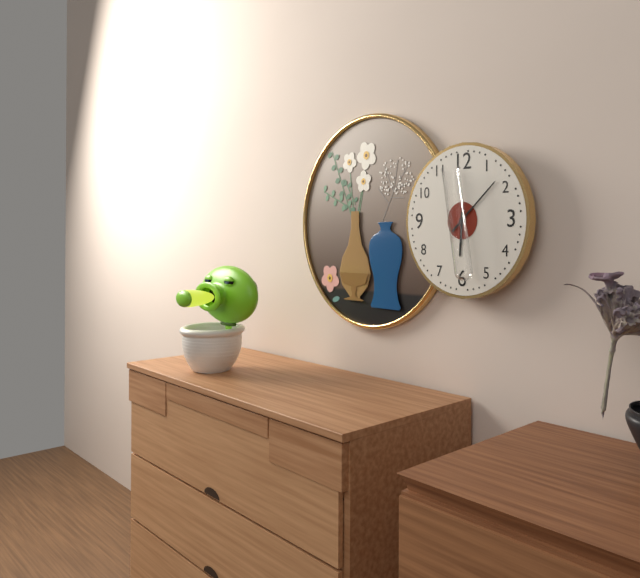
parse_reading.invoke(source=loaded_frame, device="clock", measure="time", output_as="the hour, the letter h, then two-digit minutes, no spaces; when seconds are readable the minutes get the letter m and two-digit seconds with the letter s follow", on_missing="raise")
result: 6h08
